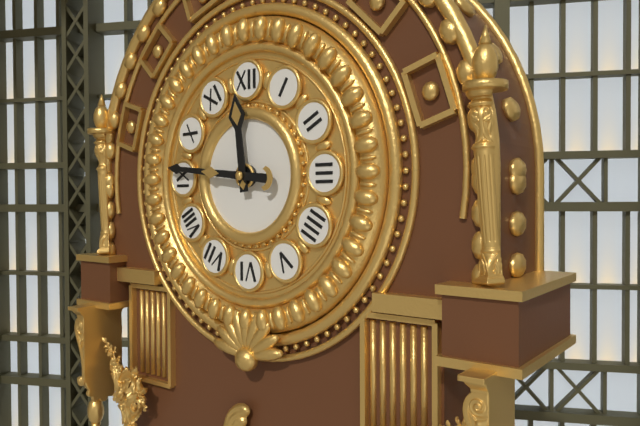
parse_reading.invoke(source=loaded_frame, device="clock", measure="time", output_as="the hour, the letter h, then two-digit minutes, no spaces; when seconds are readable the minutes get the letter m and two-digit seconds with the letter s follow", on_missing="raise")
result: 11h46
